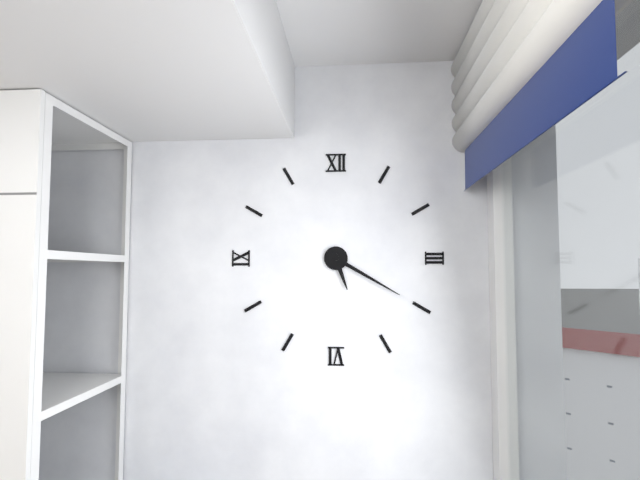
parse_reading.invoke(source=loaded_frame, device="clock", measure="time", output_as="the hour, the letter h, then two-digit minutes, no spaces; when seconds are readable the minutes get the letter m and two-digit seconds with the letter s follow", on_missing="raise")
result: 5h20
